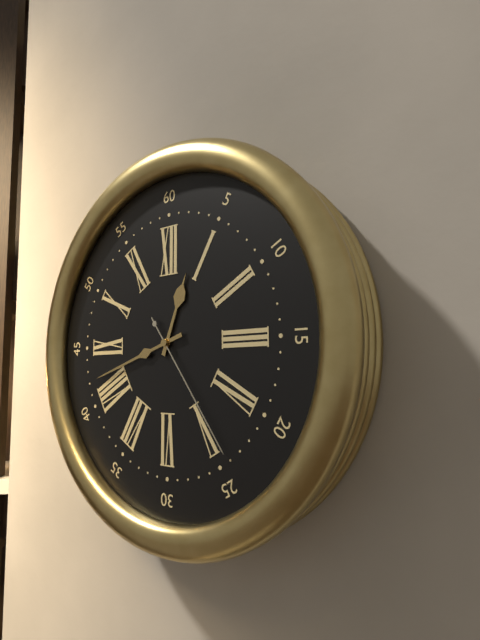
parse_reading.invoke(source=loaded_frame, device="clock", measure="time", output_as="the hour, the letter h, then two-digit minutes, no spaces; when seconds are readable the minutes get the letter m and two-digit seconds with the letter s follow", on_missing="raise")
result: 12h42m24s
